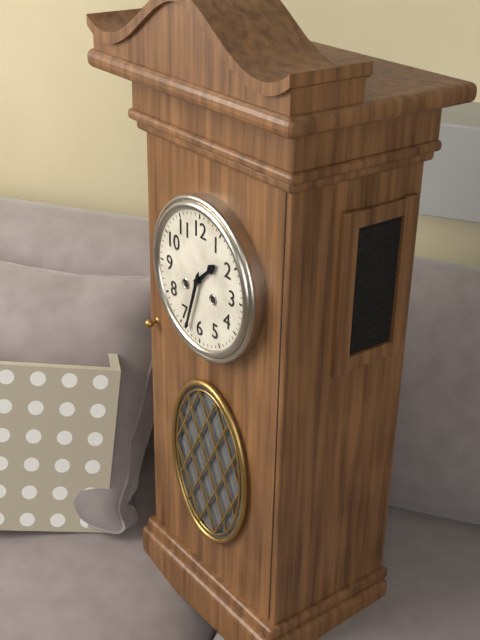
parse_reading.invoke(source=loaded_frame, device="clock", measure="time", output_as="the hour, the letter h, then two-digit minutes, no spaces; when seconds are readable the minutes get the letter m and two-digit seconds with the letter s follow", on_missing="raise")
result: 1h33
